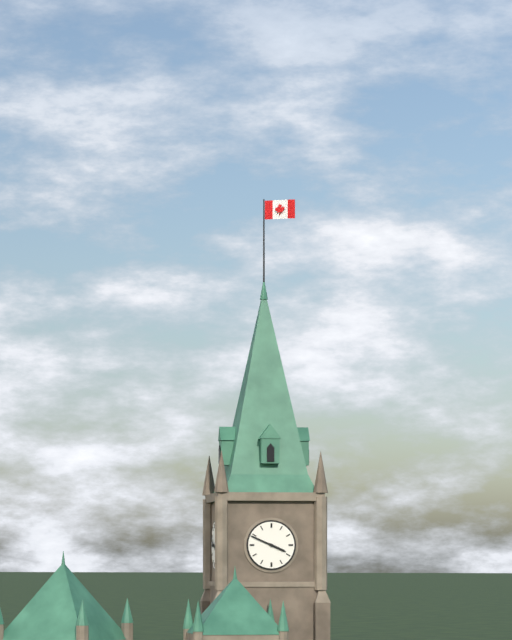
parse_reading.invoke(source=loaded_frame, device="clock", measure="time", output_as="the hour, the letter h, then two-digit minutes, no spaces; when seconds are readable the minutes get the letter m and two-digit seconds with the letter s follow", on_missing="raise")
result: 3h49
